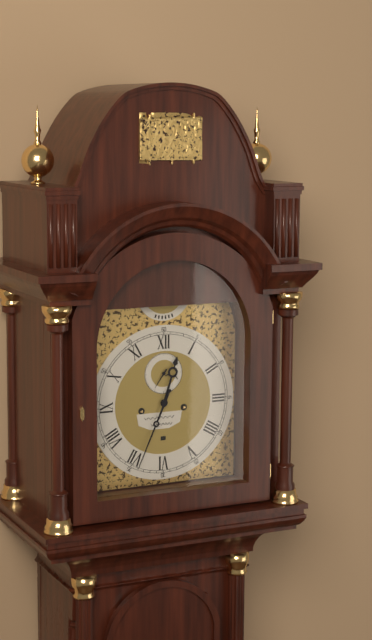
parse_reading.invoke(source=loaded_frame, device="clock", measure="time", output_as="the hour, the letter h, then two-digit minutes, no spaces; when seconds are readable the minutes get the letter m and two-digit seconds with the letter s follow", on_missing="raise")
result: 12h34
